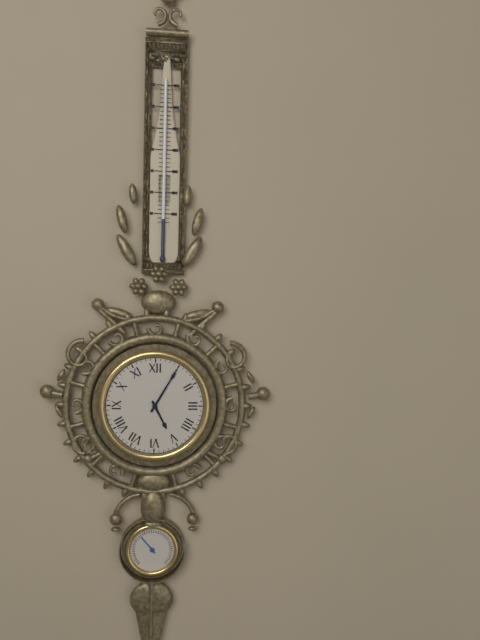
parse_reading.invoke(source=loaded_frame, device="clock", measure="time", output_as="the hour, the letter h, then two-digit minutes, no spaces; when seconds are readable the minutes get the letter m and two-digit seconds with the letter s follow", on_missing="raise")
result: 5h05
